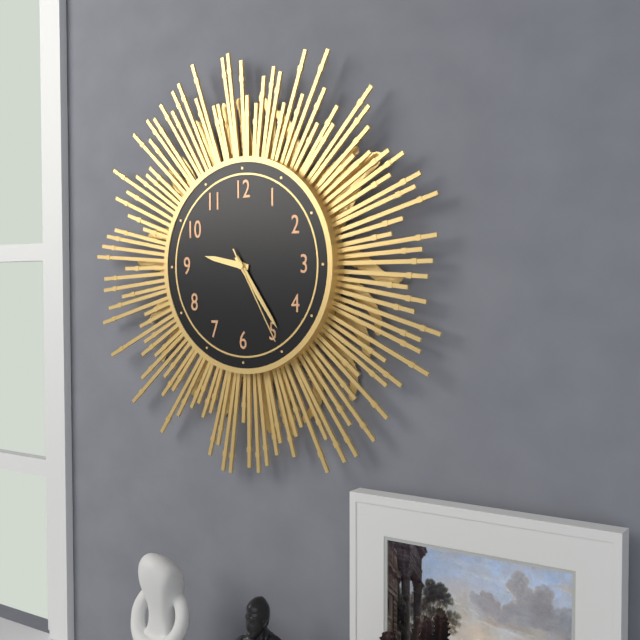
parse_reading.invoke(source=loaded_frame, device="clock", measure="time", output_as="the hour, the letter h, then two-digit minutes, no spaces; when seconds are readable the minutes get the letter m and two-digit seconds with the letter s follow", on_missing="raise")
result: 9h24m25s
